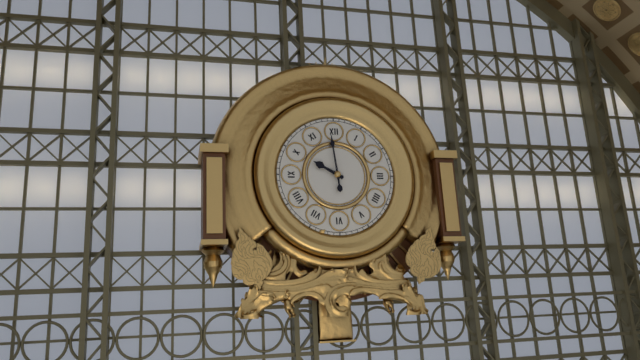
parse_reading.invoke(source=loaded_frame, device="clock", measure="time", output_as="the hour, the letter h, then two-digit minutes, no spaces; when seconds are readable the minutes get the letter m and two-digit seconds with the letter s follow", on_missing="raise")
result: 9h59
